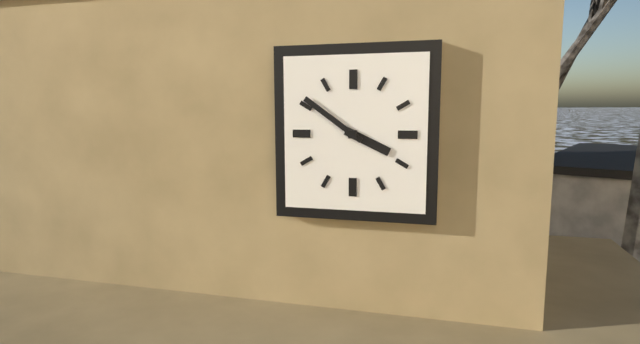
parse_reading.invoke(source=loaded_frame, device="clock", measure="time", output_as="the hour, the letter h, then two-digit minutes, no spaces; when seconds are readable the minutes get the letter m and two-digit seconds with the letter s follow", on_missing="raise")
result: 3h51
